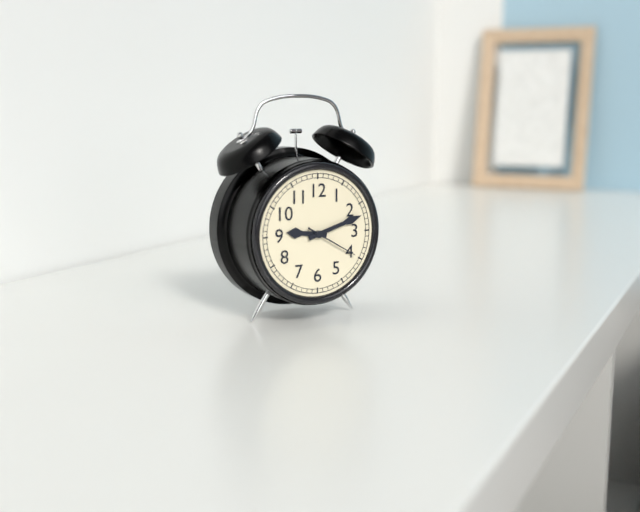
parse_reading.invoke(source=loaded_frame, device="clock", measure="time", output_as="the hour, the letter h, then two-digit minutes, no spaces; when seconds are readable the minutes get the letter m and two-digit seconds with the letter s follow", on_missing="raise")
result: 9h12m20s
